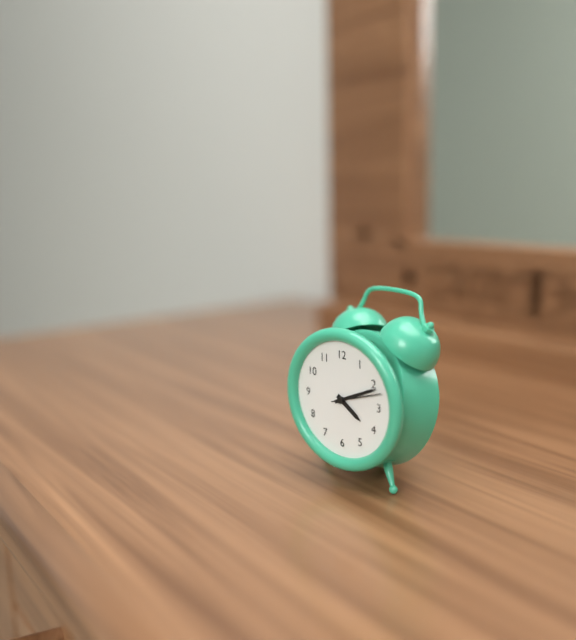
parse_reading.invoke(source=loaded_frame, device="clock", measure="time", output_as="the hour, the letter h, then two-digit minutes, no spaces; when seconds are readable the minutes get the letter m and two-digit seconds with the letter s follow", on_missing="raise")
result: 4h11m12s
